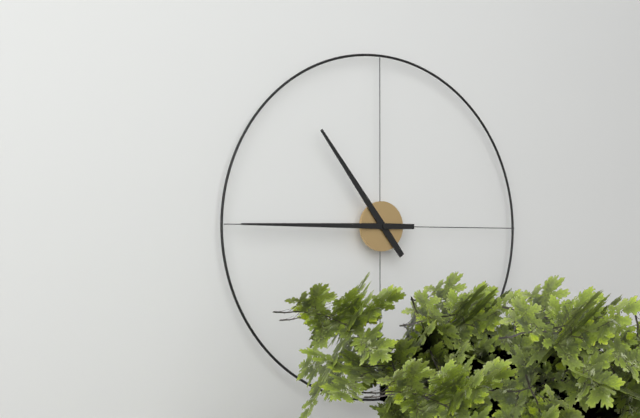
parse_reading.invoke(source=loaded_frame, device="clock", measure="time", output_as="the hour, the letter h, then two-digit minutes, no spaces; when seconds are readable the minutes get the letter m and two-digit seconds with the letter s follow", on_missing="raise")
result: 10h45
